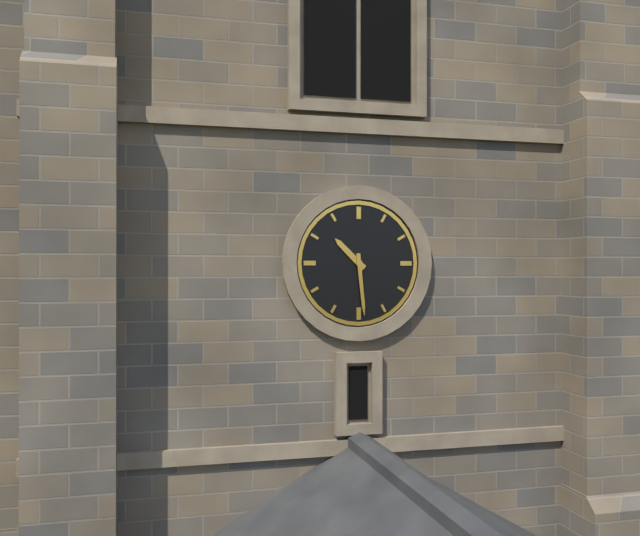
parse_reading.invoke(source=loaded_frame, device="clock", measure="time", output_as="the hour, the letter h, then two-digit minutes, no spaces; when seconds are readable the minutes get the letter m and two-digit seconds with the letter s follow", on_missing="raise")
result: 10h29
